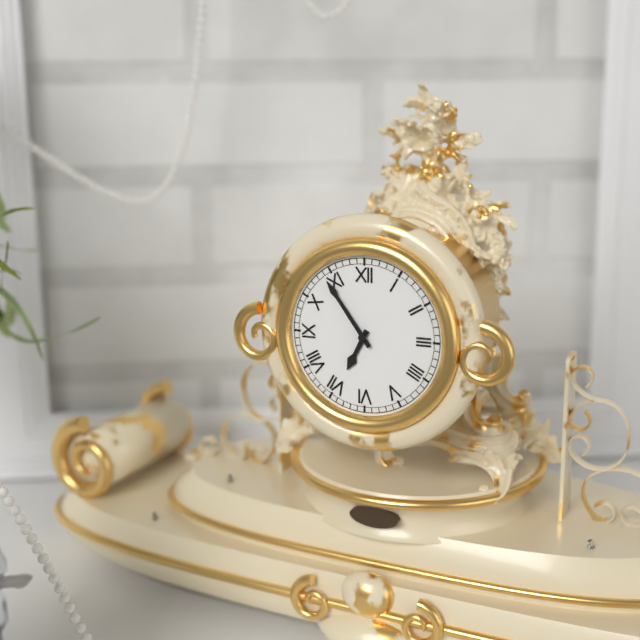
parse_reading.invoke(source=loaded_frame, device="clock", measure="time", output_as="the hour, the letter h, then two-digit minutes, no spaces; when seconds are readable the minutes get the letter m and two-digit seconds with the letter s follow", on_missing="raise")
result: 6h54
